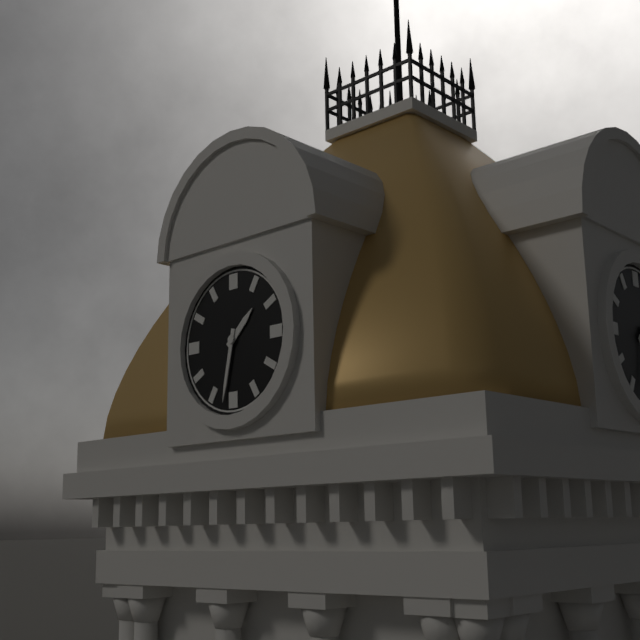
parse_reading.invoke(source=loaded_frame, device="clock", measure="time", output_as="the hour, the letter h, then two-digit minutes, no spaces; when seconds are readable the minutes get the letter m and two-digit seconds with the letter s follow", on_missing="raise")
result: 1h32
